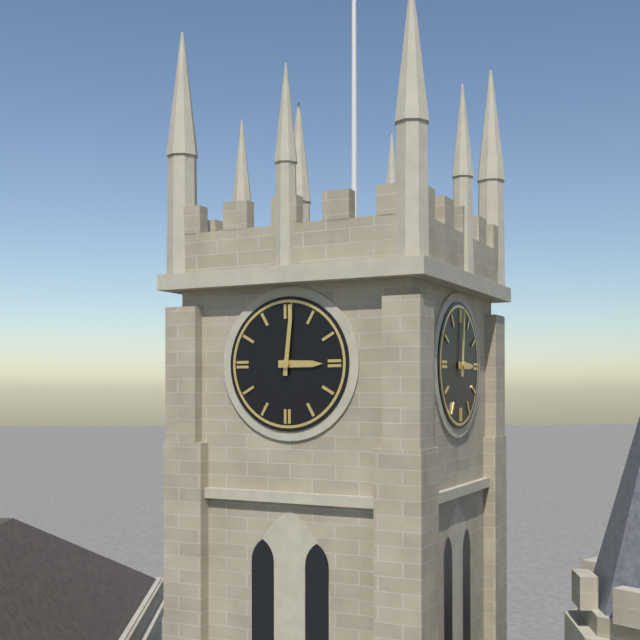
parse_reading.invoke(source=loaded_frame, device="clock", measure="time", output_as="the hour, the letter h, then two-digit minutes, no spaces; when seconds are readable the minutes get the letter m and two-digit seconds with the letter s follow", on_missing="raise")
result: 3h01
